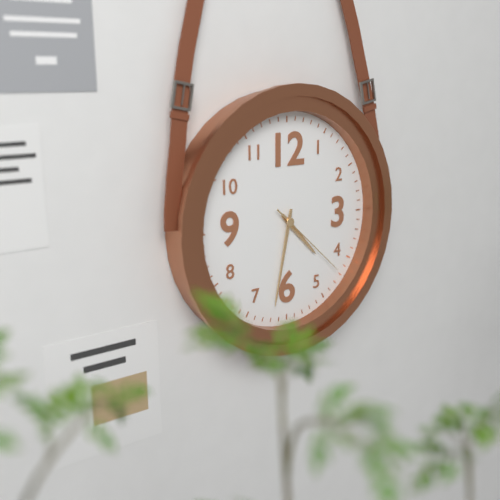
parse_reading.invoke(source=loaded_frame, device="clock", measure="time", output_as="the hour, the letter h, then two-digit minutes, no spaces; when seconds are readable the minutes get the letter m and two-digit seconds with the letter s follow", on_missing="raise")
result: 4h32m22s
